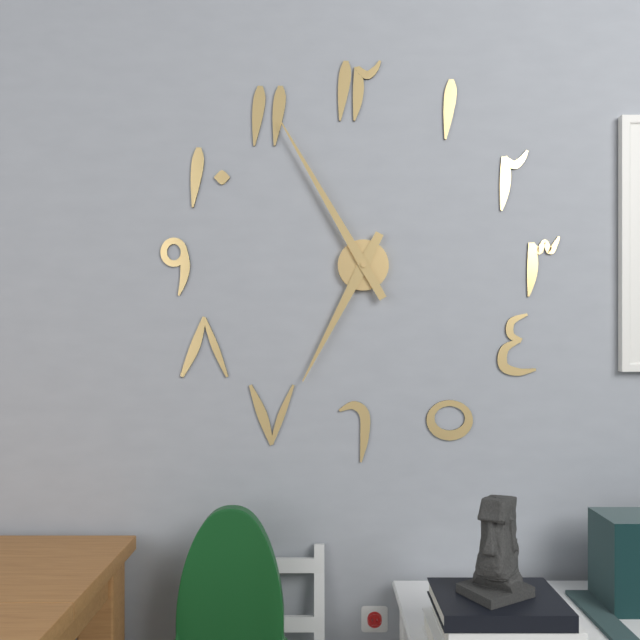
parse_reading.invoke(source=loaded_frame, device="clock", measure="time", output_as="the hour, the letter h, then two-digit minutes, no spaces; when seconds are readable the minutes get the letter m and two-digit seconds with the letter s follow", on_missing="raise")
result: 6h55
